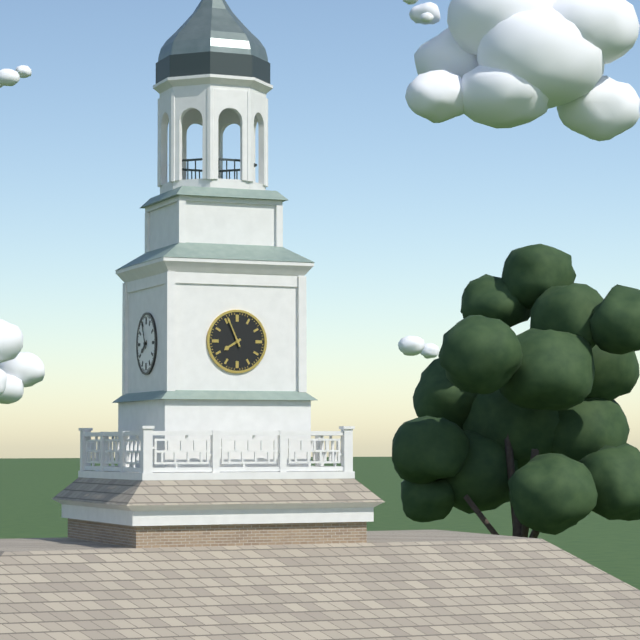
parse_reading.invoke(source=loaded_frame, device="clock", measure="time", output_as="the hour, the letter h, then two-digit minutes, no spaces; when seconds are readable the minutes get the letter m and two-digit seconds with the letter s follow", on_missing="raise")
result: 7h56
